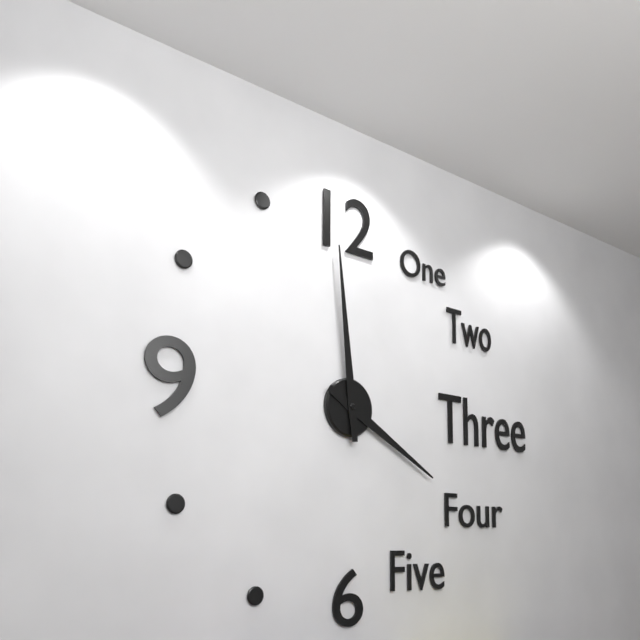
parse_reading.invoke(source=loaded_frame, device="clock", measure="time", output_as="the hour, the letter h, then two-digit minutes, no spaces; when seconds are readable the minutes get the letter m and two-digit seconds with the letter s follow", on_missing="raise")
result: 3h59
